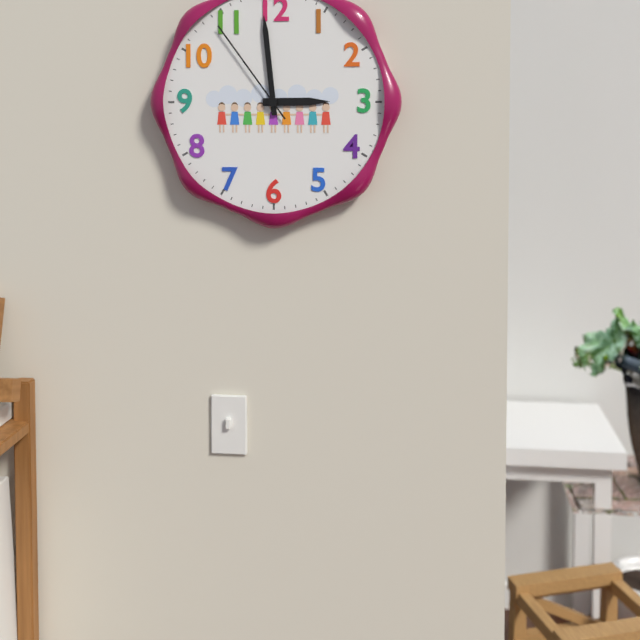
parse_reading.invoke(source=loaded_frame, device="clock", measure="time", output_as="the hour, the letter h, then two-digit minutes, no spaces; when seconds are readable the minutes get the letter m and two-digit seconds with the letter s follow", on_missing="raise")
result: 2h59m54s
